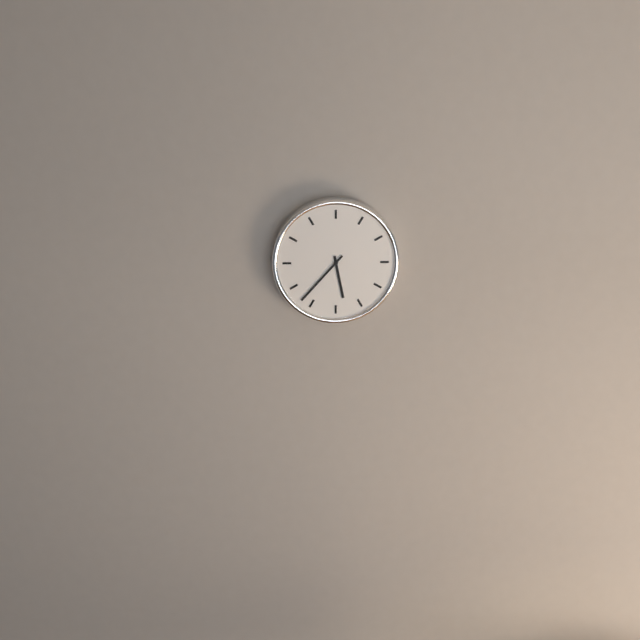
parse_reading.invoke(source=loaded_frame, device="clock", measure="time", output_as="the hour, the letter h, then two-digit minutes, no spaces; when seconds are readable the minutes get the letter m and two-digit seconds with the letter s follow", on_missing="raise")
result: 5h37
